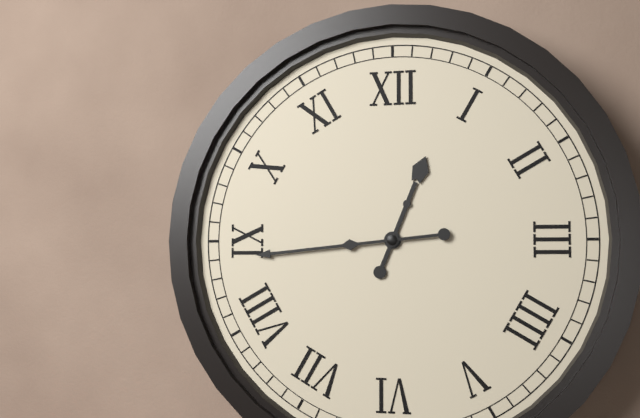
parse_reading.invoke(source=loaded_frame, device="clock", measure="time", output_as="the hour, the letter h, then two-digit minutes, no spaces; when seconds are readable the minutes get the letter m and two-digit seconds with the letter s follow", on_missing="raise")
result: 12h44
